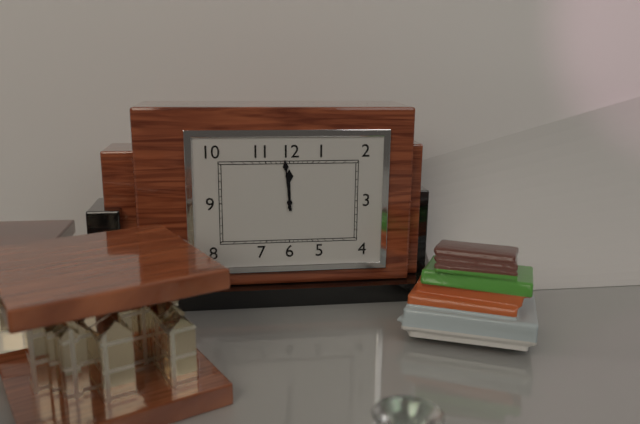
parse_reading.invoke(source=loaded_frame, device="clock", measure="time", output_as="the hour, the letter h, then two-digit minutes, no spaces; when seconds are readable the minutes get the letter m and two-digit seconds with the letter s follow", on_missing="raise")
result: 11h59
